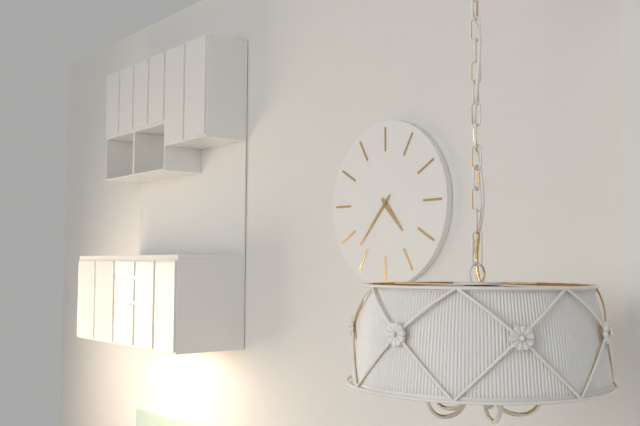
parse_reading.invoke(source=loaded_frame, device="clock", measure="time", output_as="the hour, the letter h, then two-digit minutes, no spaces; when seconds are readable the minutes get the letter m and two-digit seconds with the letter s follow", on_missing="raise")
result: 4h37
